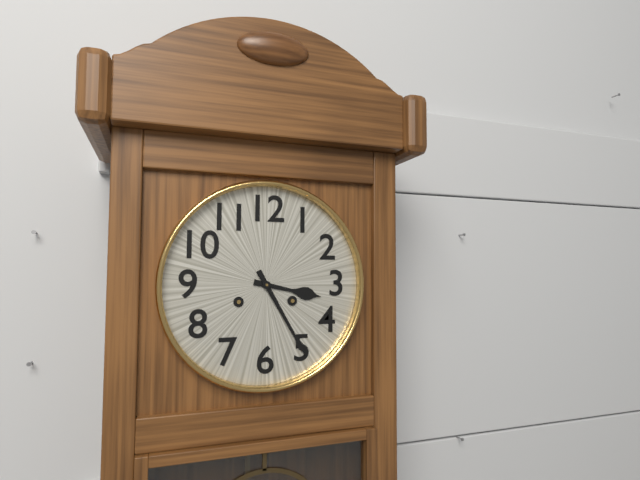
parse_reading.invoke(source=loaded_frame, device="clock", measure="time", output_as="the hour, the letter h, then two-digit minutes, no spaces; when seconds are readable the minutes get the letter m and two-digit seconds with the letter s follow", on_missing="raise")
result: 3h25
